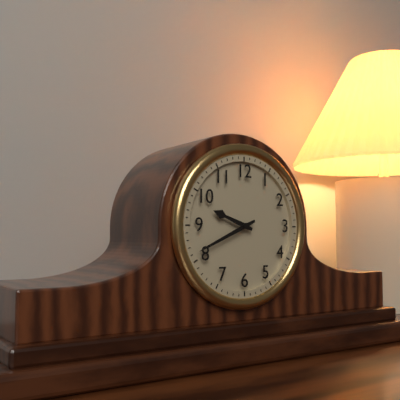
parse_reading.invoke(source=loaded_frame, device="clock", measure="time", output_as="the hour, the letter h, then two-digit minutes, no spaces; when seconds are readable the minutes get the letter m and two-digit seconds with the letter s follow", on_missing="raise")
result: 9h41
